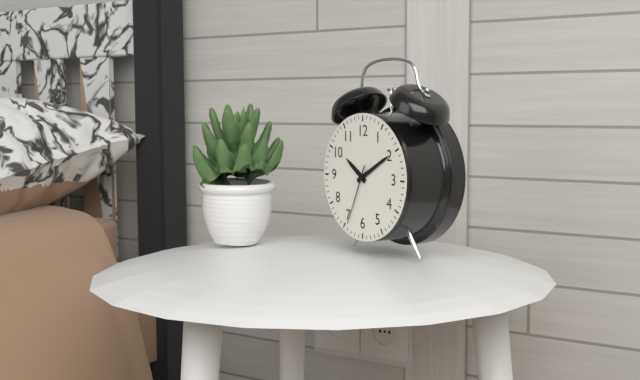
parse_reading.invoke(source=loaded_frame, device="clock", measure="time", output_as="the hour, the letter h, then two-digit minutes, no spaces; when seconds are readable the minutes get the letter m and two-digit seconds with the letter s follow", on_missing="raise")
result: 10h10m34s
